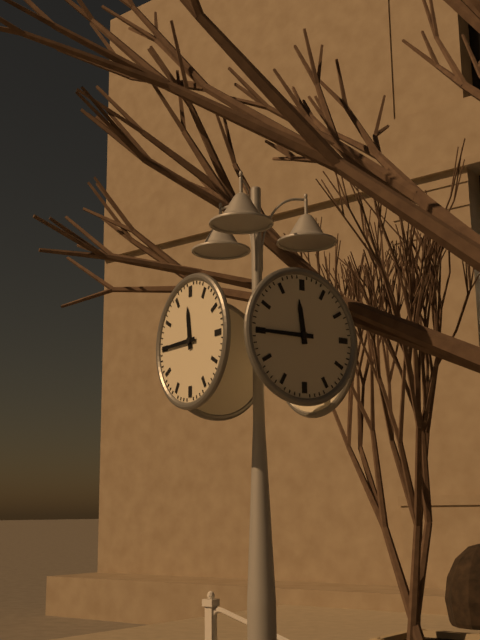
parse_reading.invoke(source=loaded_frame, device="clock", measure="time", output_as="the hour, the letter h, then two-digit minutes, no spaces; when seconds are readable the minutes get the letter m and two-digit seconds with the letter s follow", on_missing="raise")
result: 11h45
